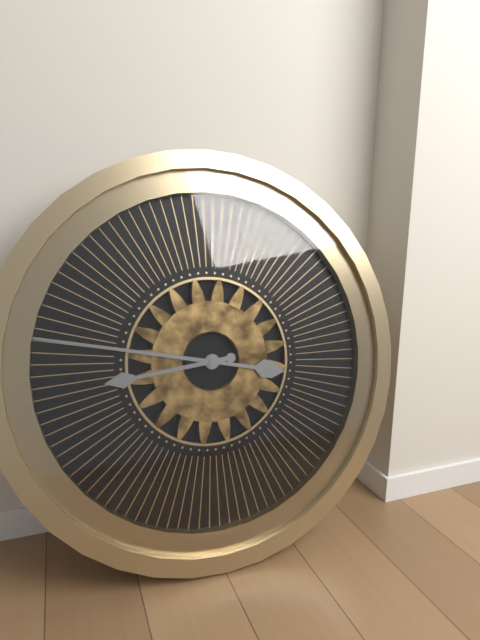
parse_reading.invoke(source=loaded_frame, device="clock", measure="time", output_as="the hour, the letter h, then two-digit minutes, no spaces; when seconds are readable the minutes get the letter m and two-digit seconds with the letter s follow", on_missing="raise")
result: 8h47
